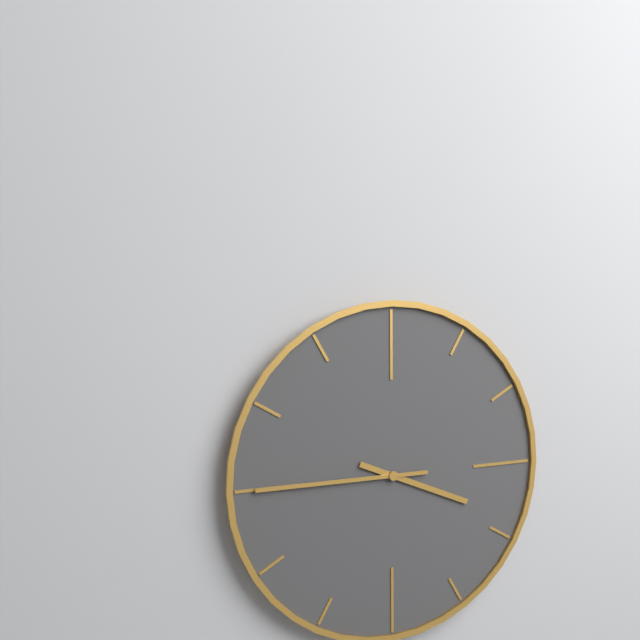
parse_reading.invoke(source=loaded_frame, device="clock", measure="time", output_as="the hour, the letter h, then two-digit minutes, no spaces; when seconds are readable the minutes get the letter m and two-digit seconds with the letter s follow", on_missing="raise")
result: 3h45
